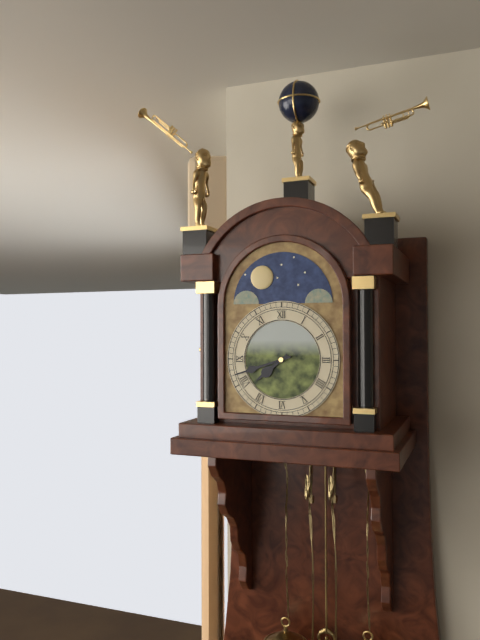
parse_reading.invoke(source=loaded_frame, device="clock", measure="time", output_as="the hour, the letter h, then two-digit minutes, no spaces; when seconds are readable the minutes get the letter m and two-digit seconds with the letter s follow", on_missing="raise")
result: 7h42
